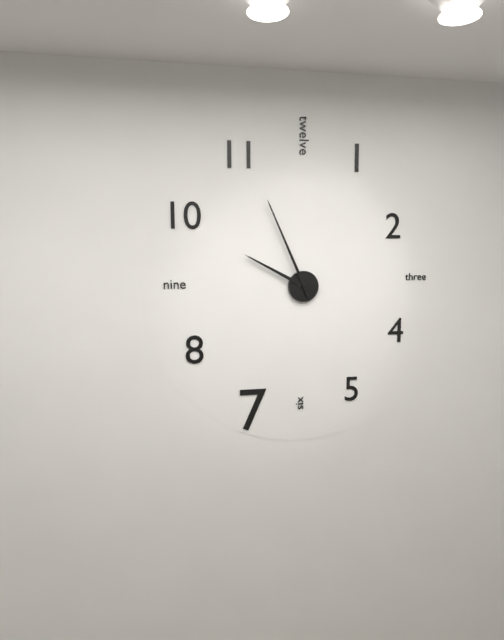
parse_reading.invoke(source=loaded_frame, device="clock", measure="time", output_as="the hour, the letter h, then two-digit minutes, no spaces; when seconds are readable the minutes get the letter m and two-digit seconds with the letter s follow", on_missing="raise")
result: 9h56
